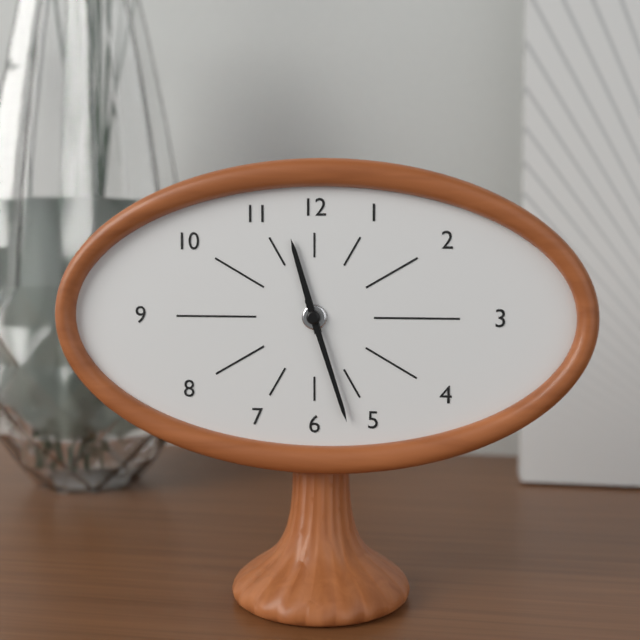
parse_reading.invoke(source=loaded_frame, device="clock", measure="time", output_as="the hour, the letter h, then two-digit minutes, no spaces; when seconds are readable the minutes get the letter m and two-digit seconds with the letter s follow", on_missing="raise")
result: 11h27
